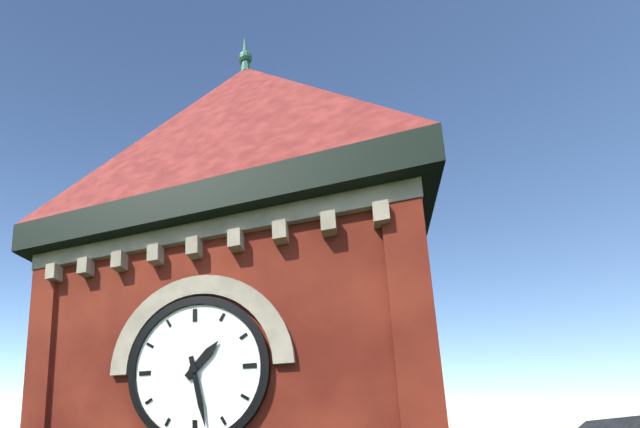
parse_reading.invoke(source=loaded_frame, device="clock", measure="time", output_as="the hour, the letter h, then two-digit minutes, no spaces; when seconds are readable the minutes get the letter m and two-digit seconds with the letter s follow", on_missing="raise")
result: 1h28
